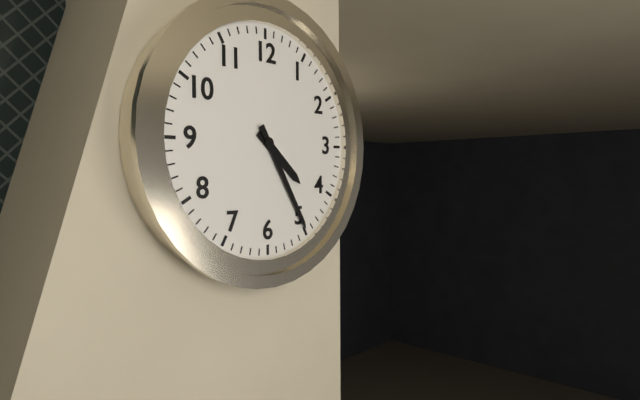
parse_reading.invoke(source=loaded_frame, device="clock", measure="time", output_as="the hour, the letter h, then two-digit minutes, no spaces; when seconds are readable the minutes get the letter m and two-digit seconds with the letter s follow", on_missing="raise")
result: 4h25
